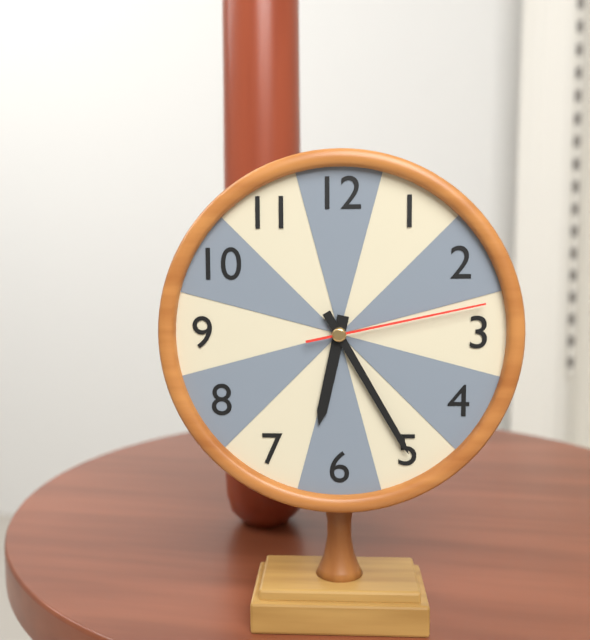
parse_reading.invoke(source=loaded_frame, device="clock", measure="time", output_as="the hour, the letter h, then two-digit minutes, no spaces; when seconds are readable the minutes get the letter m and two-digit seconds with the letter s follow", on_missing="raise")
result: 6h25m13s
